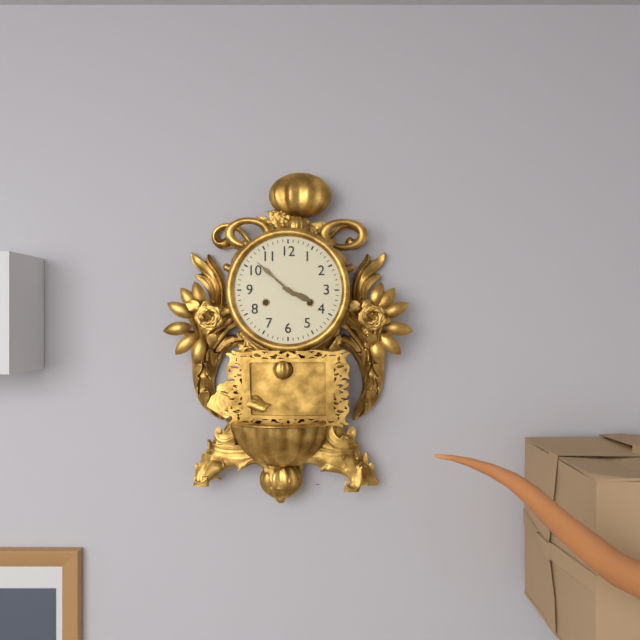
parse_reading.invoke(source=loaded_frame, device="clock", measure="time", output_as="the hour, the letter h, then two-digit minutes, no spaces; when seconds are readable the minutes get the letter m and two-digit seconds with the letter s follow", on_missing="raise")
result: 3h52
